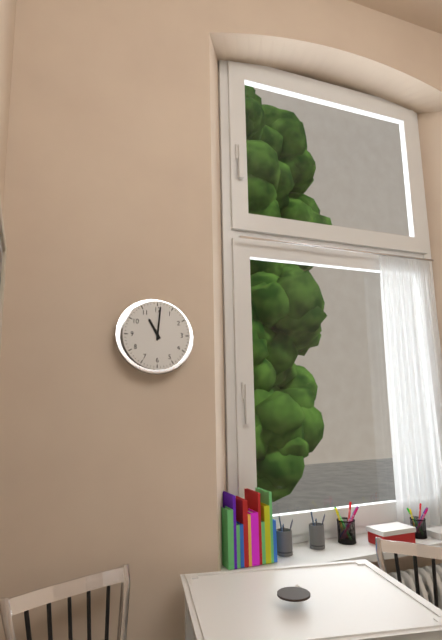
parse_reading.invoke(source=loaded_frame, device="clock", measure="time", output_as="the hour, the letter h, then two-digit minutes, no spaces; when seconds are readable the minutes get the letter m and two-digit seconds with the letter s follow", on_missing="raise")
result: 11h01
